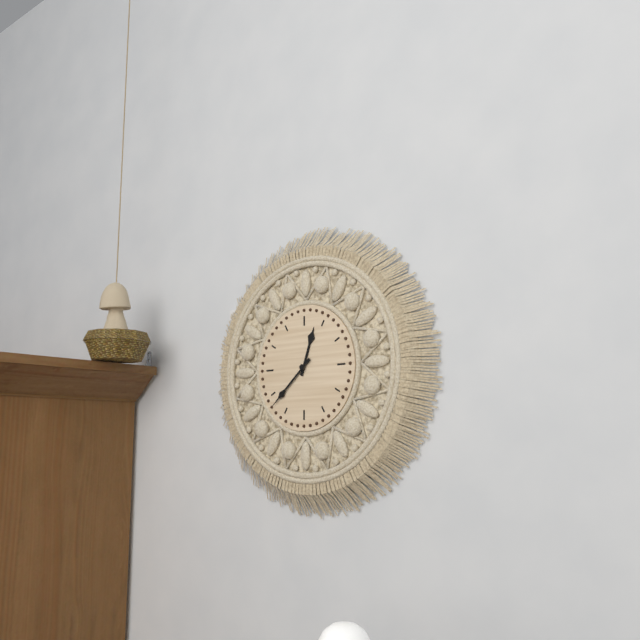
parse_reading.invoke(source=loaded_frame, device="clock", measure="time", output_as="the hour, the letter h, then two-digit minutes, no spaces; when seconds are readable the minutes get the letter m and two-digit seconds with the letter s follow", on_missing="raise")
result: 12h38
